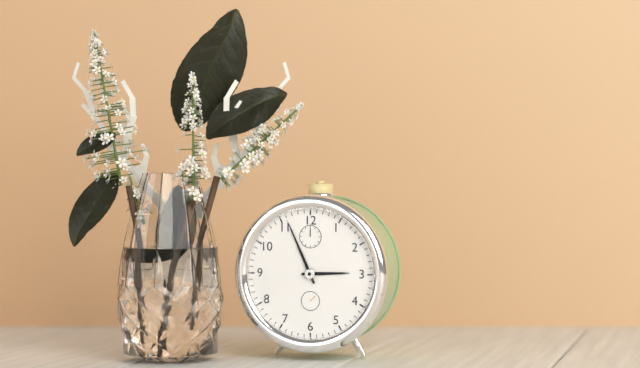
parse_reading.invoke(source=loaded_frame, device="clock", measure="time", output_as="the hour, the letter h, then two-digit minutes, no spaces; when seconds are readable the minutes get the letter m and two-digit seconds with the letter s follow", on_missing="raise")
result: 2h56
